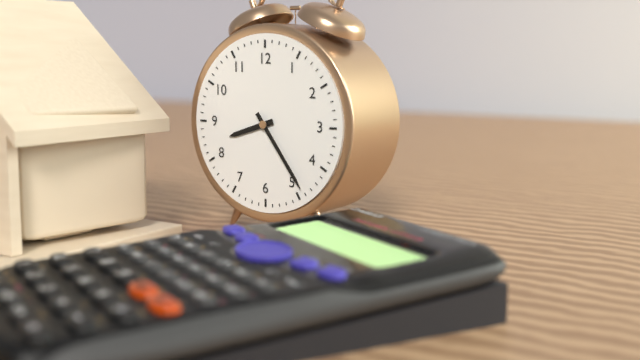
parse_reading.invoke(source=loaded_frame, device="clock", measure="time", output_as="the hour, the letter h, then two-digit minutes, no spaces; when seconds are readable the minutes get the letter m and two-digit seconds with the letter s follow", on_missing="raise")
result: 8h24
